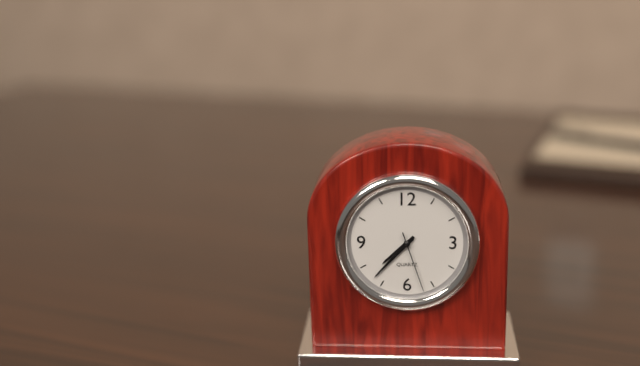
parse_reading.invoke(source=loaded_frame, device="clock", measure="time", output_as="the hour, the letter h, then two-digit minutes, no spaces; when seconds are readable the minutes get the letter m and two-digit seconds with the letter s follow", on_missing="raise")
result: 7h37m27s
